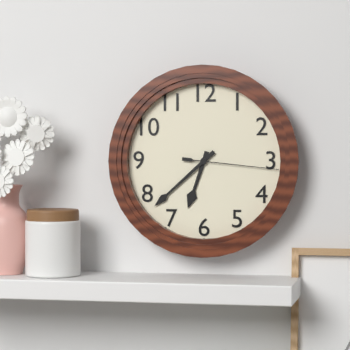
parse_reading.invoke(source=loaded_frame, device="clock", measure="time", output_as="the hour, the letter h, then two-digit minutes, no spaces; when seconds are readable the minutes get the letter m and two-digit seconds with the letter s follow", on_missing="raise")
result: 6h38m16s
